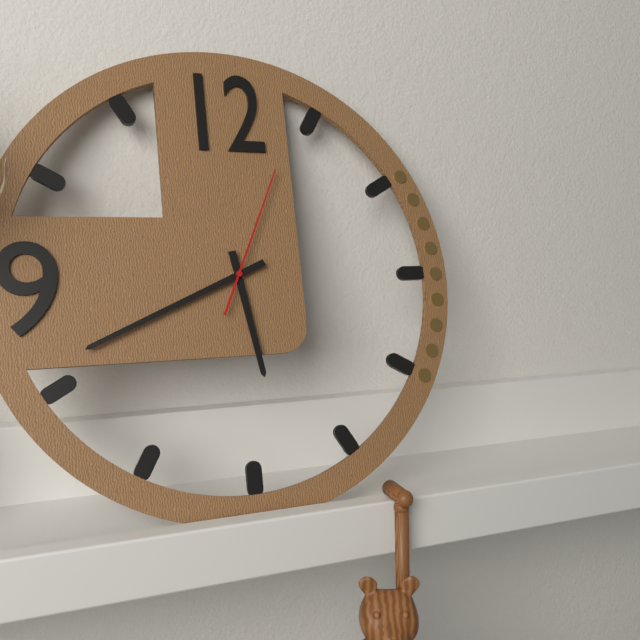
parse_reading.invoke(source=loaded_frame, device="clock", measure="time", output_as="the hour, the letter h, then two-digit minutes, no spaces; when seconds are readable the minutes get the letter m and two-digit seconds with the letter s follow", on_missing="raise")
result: 5h41m04s
